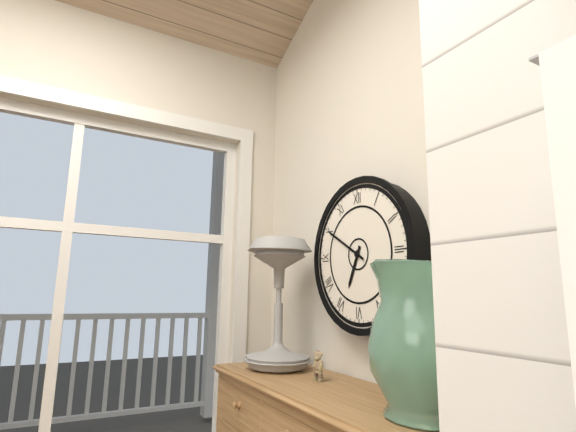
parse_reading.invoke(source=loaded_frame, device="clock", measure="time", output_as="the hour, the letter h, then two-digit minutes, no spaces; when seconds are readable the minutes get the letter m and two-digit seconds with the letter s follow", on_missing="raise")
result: 6h50
